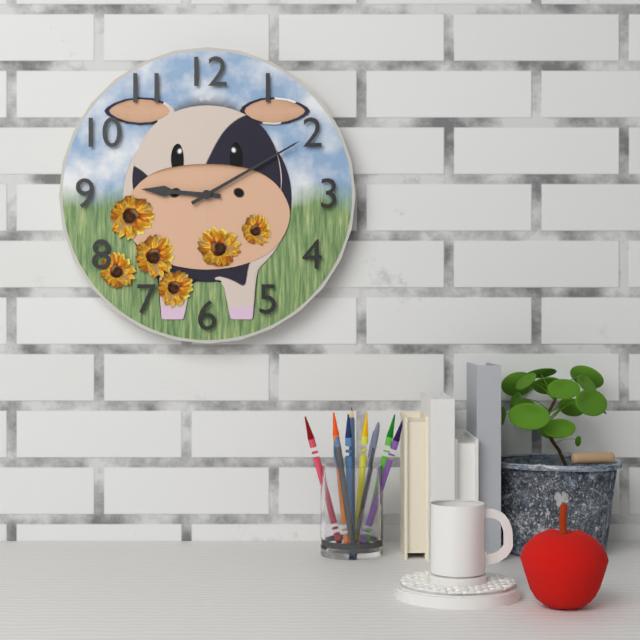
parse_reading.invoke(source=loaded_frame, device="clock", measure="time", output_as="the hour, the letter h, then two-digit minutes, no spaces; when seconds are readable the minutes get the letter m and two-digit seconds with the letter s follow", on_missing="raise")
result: 9h10
